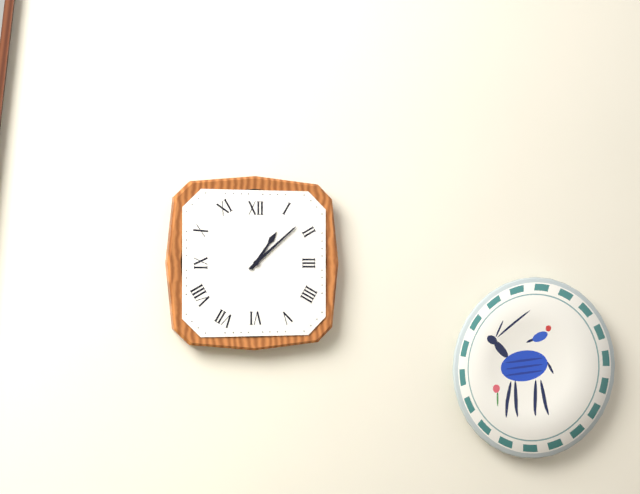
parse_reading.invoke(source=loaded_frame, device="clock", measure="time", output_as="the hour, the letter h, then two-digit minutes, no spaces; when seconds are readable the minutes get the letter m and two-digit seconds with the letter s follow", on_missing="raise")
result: 1h08
